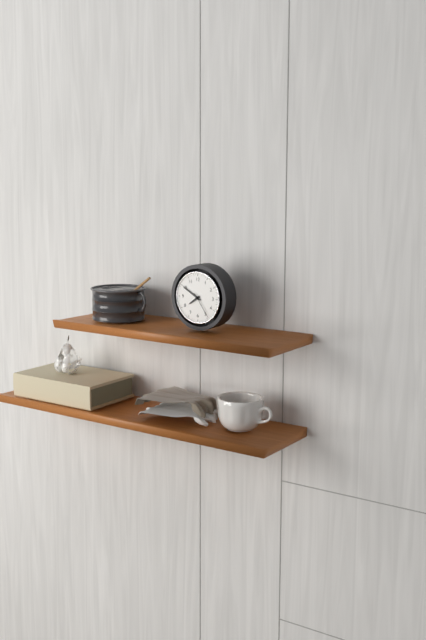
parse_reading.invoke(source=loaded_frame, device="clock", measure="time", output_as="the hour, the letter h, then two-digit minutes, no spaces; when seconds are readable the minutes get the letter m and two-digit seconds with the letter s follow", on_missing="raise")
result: 7h50
